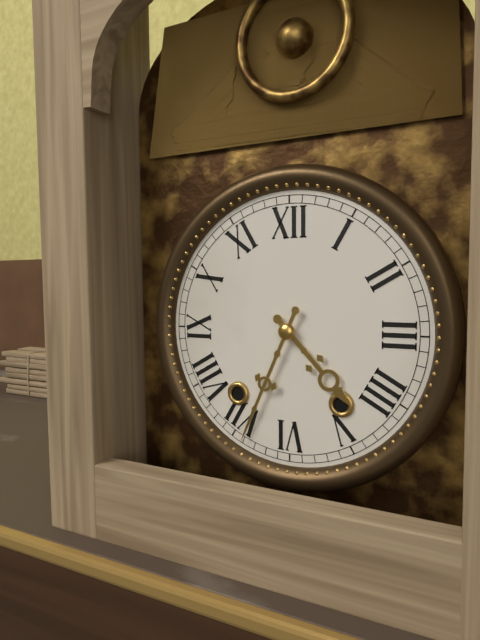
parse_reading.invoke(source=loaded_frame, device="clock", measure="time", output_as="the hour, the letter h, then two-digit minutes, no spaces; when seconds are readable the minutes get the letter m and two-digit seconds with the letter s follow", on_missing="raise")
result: 4h34
